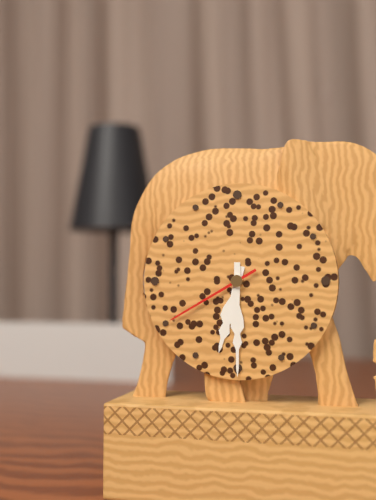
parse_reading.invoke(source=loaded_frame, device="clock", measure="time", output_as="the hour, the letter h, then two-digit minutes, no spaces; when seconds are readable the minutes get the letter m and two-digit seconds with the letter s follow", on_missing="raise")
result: 6h30m40s
